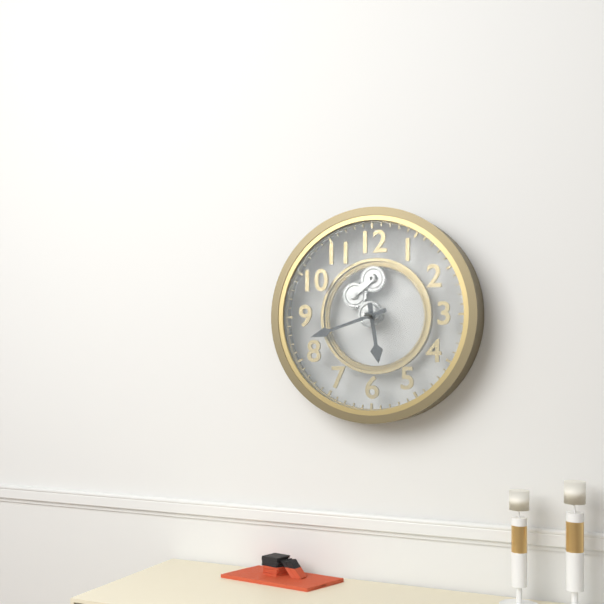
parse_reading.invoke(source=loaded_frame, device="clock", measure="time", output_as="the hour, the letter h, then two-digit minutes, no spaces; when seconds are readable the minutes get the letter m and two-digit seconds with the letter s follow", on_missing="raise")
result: 5h42
